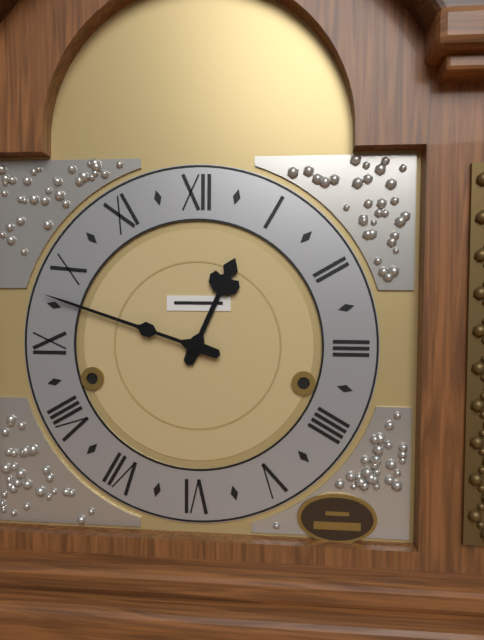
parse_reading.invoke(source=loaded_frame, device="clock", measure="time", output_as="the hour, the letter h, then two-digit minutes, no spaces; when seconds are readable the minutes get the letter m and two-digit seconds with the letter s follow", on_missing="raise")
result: 12h48
